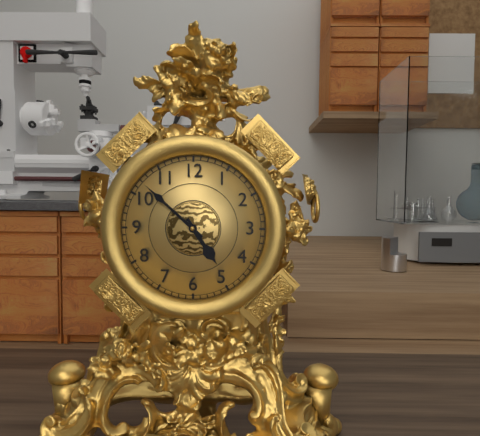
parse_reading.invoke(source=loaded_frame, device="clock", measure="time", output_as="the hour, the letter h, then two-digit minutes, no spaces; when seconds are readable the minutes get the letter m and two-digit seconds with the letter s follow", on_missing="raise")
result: 4h52
